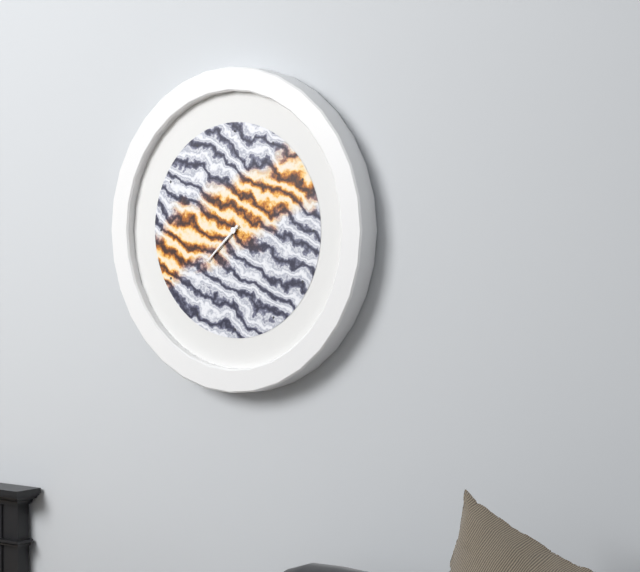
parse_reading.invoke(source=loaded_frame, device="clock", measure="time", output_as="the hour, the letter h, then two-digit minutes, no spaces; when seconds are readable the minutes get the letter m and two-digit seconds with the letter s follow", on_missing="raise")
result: 7h38
